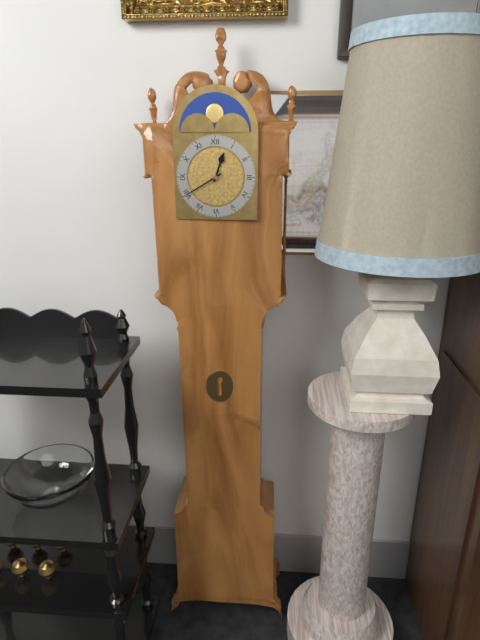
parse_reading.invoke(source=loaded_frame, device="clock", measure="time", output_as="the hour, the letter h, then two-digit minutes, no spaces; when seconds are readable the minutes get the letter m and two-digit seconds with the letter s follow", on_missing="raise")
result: 12h40
